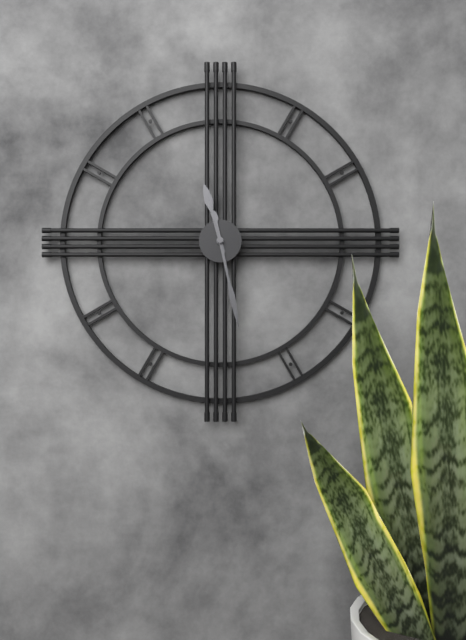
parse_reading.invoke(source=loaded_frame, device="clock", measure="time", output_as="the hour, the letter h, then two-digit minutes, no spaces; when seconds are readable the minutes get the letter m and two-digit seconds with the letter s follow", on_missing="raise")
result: 11h28
